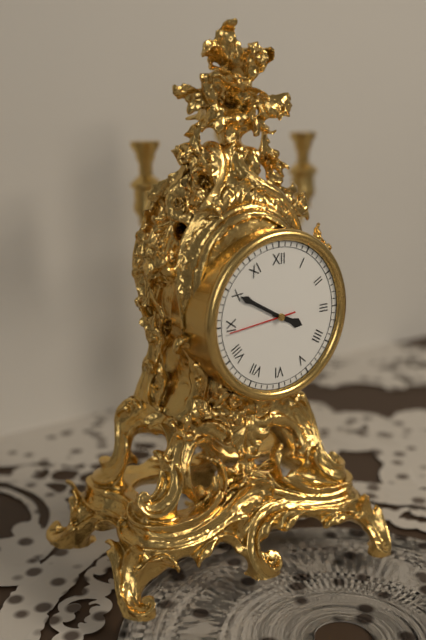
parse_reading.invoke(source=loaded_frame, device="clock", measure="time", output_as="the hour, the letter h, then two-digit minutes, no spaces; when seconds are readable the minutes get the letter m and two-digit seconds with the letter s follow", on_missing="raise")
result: 3h50m44s
